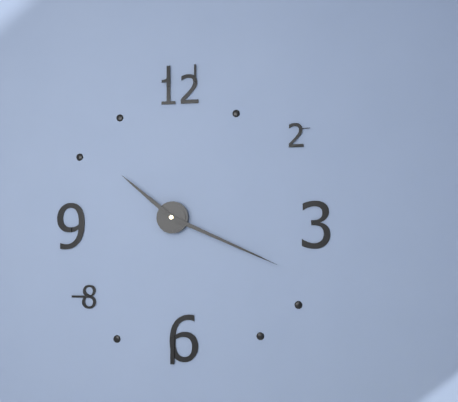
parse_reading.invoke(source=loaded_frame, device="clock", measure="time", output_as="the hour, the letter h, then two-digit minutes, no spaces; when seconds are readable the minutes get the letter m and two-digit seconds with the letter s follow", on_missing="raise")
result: 10h19
